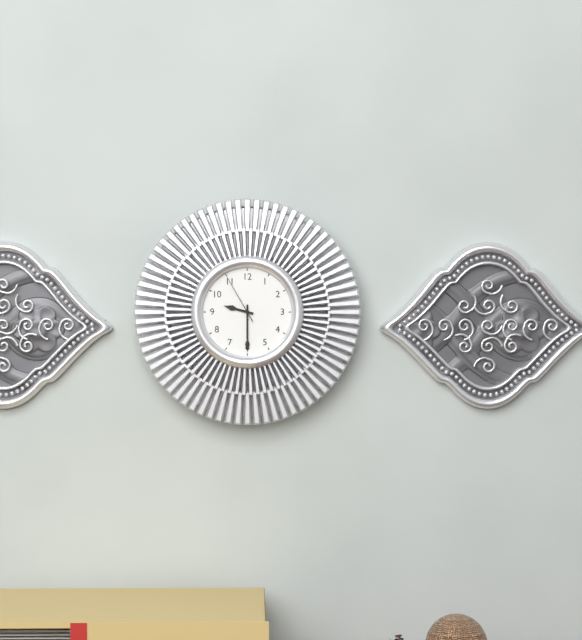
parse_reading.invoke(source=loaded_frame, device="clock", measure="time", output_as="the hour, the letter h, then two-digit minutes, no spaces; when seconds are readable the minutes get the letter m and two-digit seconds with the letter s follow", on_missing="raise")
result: 9h30m55s
